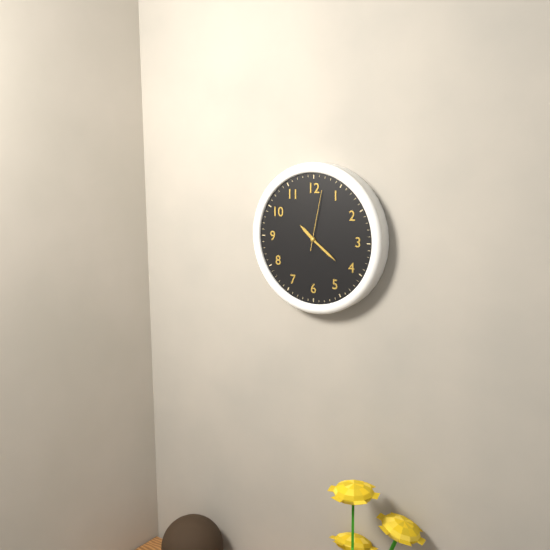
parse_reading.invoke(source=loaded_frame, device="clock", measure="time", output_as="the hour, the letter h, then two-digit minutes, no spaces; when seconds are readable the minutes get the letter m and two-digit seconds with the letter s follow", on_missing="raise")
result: 10h21m02s
